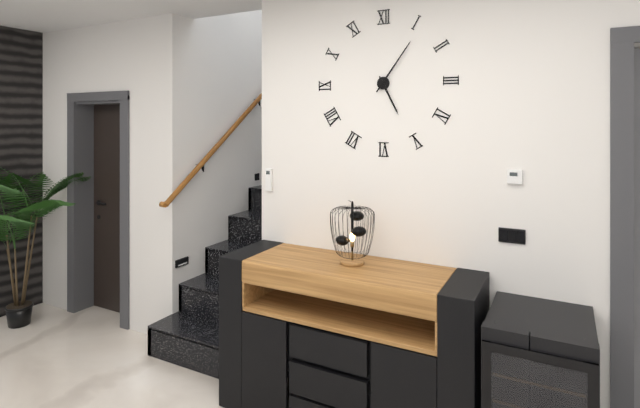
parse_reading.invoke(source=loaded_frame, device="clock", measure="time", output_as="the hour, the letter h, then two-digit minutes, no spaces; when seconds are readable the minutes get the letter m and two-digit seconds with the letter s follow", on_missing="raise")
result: 5h06
